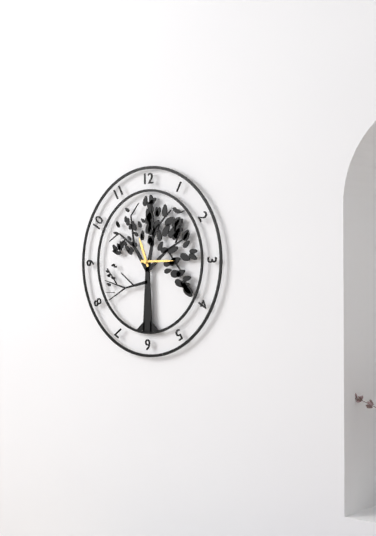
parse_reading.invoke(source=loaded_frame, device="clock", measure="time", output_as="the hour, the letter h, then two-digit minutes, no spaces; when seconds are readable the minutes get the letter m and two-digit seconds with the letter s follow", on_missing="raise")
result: 11h15
